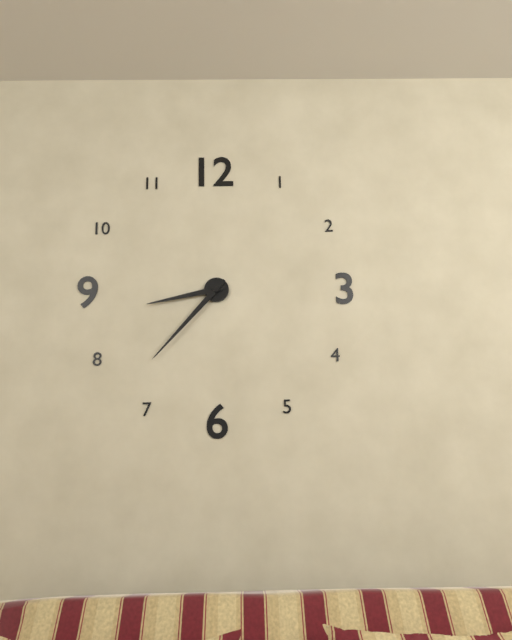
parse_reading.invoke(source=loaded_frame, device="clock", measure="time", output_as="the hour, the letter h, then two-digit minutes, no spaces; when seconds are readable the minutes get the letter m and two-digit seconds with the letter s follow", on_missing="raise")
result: 8h37
